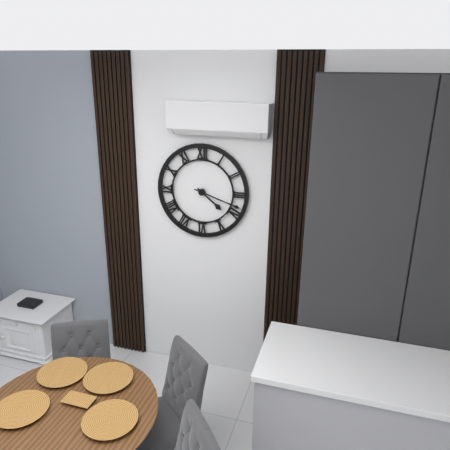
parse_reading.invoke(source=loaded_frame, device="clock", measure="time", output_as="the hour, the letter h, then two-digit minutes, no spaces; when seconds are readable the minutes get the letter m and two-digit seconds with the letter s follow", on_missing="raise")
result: 4h18
